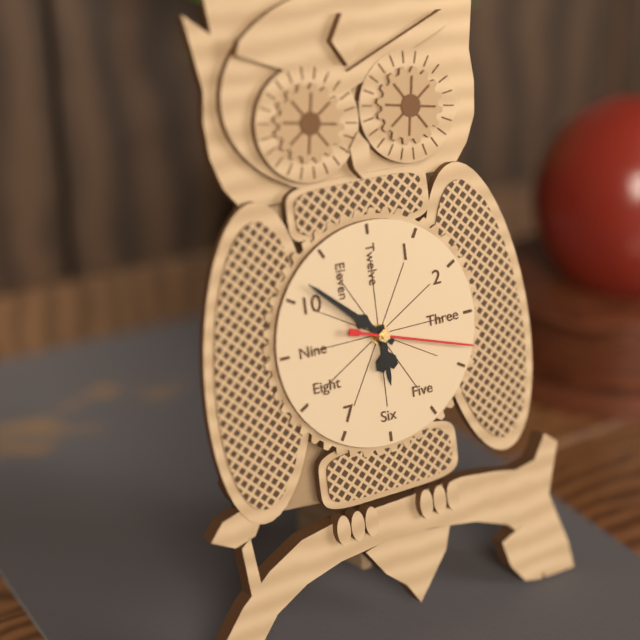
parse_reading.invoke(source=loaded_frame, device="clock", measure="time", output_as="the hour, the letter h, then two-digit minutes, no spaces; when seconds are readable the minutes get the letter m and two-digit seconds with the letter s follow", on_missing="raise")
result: 5h52m18s
